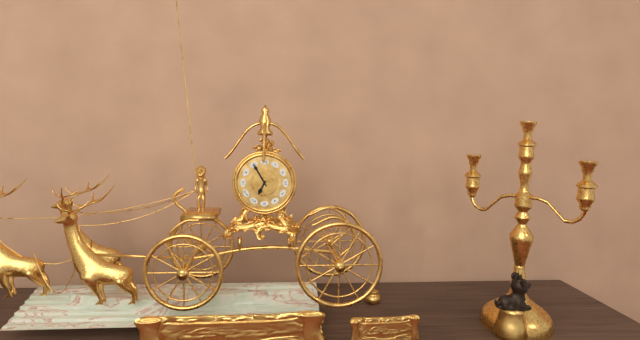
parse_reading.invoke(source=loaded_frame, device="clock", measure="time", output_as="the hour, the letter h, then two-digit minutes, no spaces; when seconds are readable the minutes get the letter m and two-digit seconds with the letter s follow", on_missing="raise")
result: 6h55
